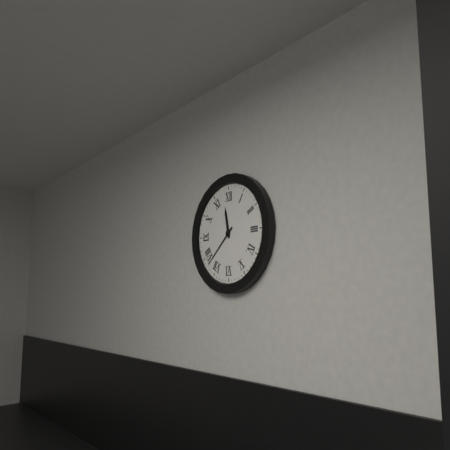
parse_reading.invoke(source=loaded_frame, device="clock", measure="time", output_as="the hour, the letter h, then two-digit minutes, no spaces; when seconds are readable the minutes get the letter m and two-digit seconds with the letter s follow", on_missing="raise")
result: 11h38
